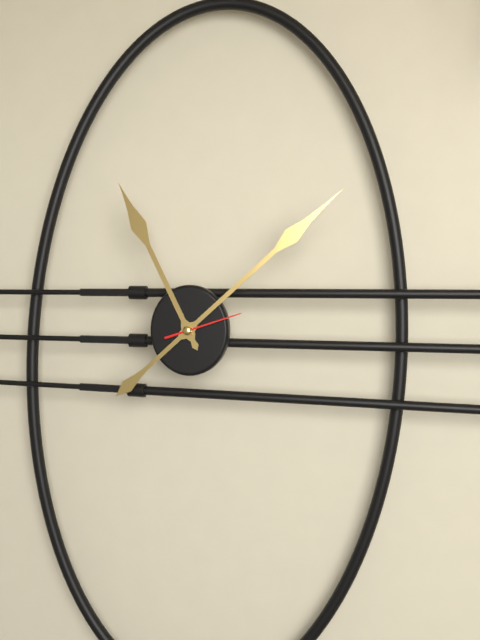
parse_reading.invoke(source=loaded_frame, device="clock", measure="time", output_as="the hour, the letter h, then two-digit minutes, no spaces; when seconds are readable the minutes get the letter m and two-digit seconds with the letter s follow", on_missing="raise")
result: 11h08m12s
